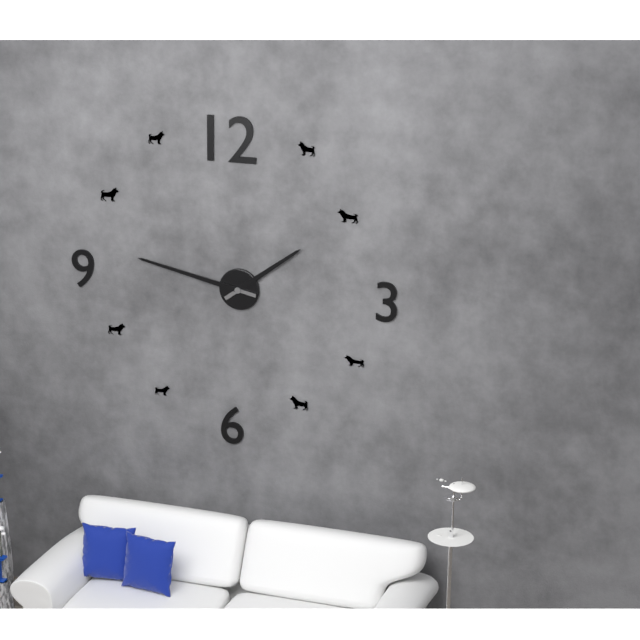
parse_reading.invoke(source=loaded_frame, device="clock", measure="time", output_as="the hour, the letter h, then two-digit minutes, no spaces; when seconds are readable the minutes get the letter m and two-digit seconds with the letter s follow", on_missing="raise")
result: 1h47
